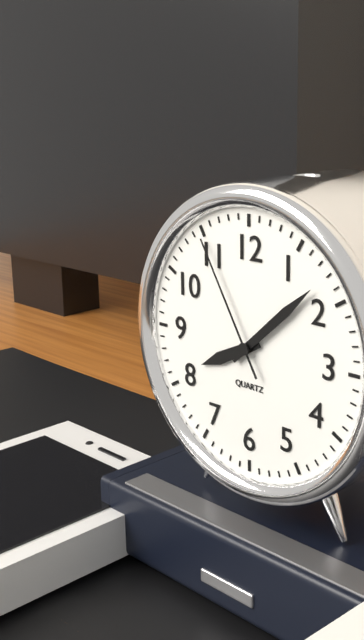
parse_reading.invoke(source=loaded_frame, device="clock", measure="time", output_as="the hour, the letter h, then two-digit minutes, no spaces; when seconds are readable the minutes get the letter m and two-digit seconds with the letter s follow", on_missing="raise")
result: 8h08m55s
